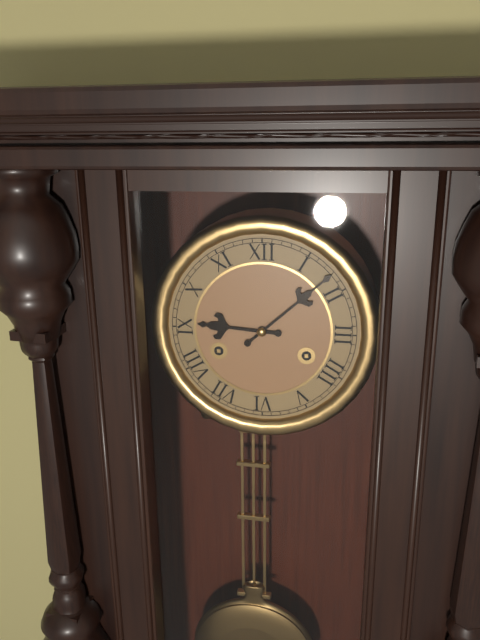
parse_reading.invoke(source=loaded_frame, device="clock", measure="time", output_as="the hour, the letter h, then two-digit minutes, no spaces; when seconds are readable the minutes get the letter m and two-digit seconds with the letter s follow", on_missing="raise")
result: 9h08
